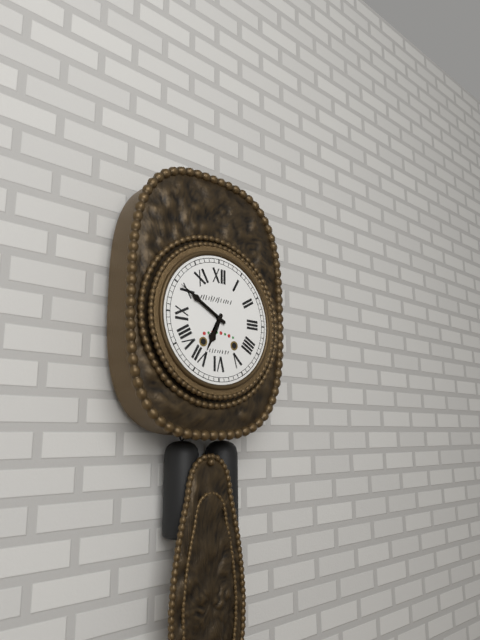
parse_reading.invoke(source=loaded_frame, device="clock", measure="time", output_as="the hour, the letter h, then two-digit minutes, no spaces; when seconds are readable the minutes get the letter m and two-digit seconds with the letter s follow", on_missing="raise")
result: 6h50
